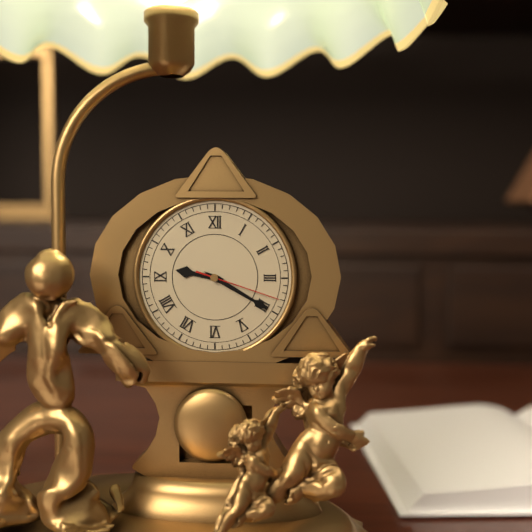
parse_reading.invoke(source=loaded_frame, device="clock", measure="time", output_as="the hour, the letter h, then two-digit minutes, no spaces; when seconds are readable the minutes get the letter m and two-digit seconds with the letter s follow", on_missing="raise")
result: 9h20m18s
